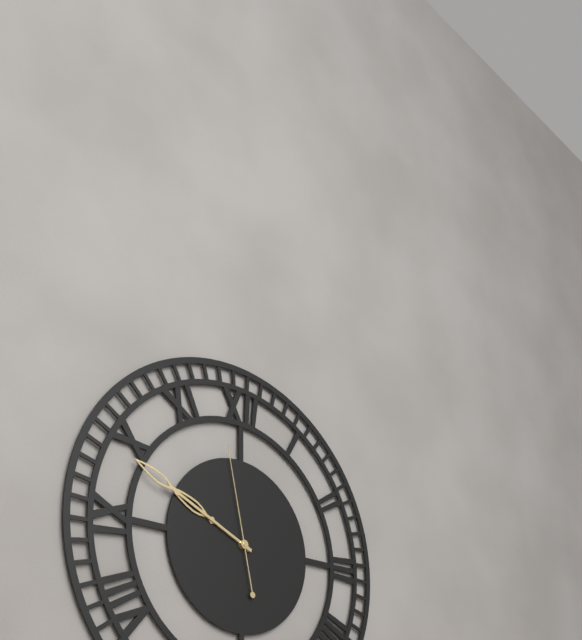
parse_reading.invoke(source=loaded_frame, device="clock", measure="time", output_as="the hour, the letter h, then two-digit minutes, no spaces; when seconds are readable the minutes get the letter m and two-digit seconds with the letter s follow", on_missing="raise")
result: 9h49m58s
